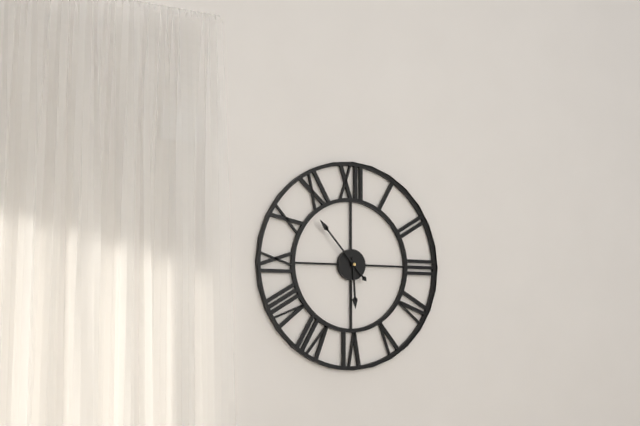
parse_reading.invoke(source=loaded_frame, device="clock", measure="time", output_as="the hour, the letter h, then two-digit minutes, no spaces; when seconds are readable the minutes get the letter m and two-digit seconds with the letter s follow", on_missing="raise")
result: 5h53
